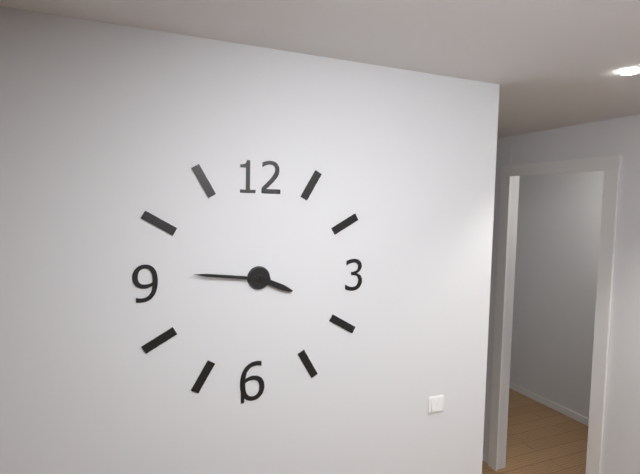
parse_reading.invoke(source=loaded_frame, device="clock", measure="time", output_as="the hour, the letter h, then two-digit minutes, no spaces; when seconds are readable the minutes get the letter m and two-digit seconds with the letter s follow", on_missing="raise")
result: 3h46
